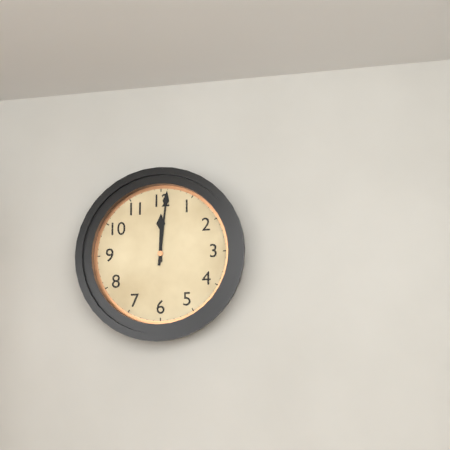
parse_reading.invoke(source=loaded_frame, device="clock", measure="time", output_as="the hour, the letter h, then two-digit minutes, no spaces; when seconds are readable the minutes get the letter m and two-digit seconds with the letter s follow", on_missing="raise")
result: 12h01
